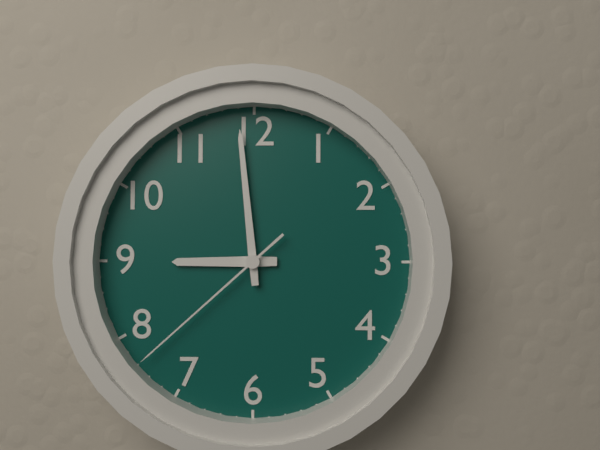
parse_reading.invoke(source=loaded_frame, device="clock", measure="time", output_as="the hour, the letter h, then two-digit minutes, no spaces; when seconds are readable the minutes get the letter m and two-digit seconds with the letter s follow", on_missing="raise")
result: 8h59m38s
